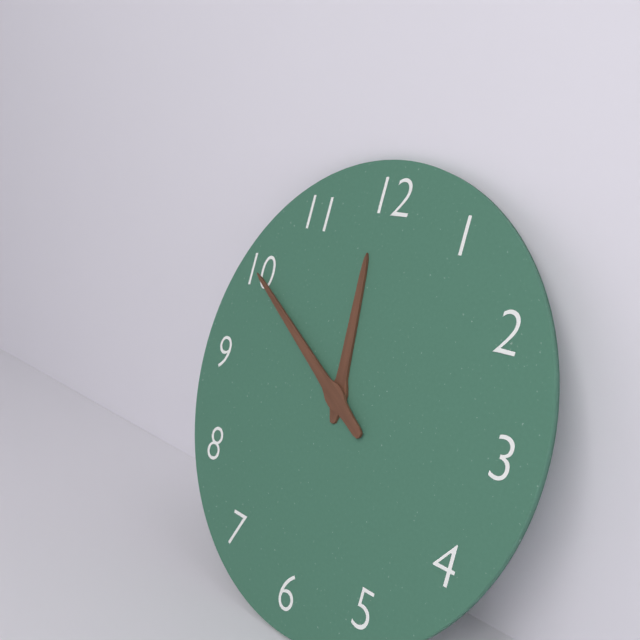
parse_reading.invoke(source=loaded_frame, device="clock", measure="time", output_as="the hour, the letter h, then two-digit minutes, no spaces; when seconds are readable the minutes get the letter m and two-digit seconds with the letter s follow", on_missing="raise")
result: 11h50
